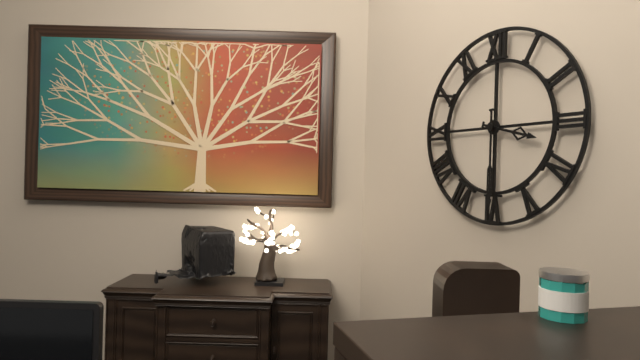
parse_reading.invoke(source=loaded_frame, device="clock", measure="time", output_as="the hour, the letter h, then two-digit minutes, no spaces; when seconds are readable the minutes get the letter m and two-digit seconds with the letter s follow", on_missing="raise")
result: 3h30
